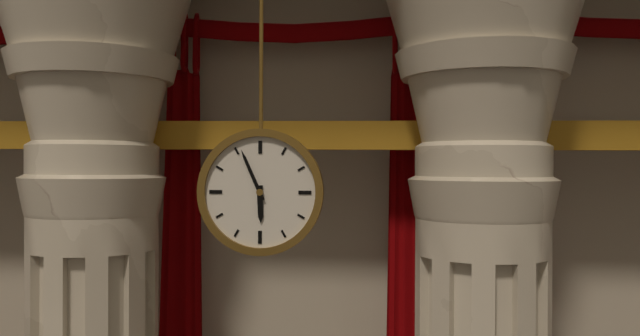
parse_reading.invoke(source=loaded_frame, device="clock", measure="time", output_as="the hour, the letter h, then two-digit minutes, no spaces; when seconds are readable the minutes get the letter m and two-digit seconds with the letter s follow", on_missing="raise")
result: 5h56
